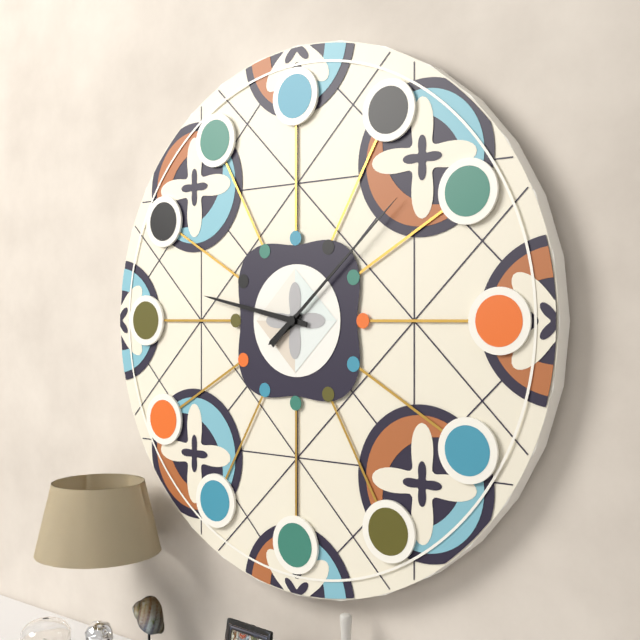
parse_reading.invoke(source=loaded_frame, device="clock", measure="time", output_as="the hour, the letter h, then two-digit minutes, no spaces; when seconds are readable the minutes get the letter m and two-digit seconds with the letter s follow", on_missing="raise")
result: 7h47m08s
